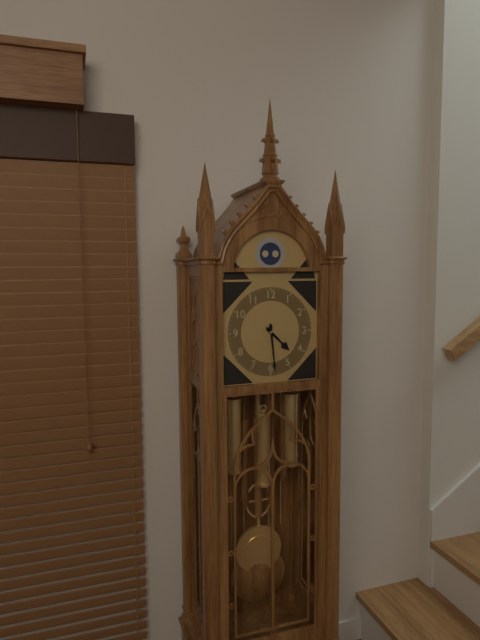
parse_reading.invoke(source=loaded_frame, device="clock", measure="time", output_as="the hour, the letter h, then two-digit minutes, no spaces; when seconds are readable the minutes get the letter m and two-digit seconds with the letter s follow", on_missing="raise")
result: 4h29
